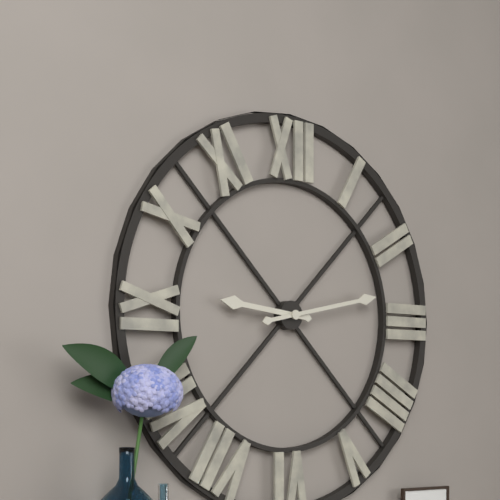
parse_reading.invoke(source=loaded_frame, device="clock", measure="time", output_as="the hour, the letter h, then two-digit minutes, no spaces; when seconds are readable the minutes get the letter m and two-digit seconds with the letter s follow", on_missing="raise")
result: 9h13
